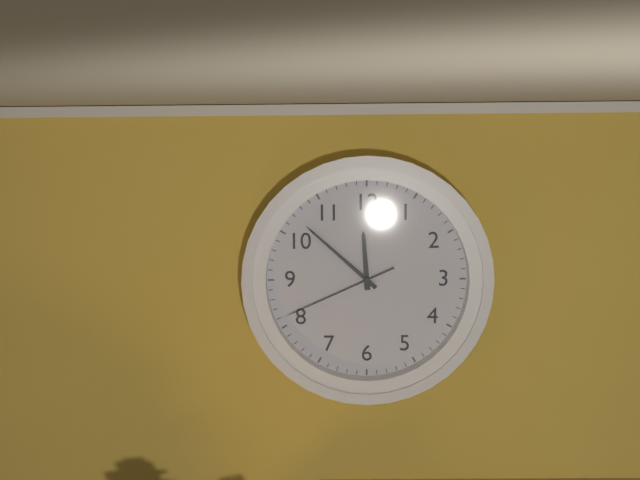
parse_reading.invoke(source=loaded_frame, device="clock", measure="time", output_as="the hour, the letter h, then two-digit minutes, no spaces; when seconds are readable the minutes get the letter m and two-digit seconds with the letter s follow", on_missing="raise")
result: 11h52m41s
